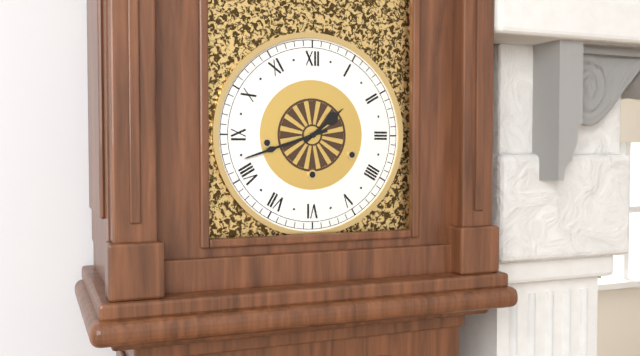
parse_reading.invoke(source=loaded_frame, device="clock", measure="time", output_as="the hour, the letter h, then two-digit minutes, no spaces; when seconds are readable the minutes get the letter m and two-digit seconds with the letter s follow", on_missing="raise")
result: 1h42
